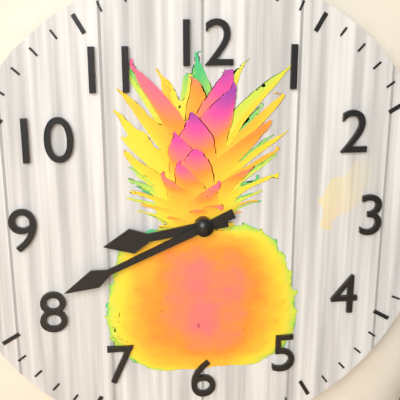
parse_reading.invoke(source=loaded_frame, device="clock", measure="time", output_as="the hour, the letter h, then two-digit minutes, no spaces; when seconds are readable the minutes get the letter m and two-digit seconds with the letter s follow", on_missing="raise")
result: 8h41
